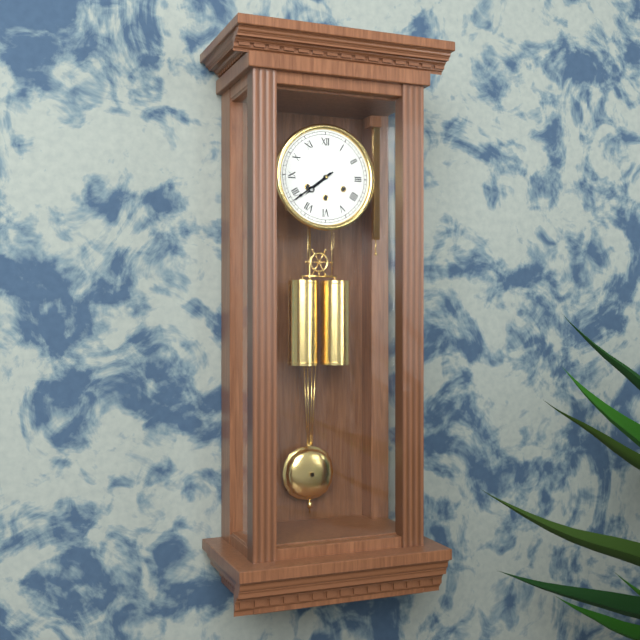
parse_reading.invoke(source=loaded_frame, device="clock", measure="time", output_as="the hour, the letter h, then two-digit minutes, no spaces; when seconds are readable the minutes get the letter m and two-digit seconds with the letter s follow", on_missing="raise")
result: 7h39
